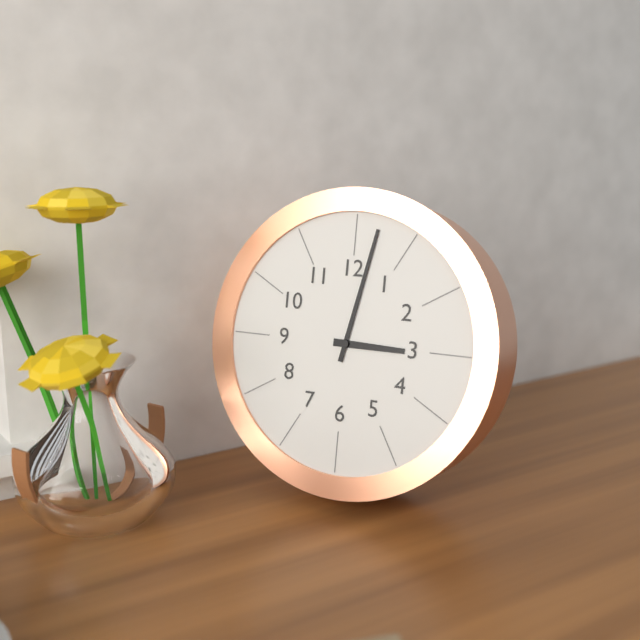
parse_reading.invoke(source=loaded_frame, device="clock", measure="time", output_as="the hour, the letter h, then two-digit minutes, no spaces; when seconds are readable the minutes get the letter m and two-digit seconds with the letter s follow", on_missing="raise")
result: 3h02
